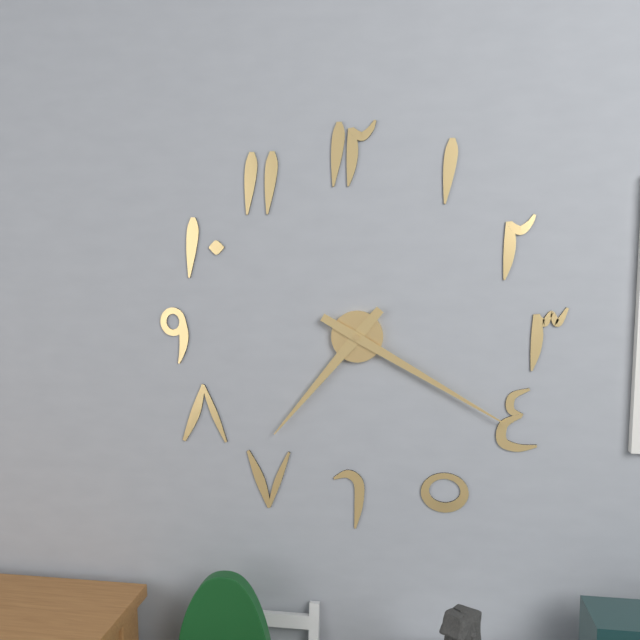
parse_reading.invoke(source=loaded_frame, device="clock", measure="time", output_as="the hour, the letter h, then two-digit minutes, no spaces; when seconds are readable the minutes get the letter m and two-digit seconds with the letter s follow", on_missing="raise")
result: 7h20
